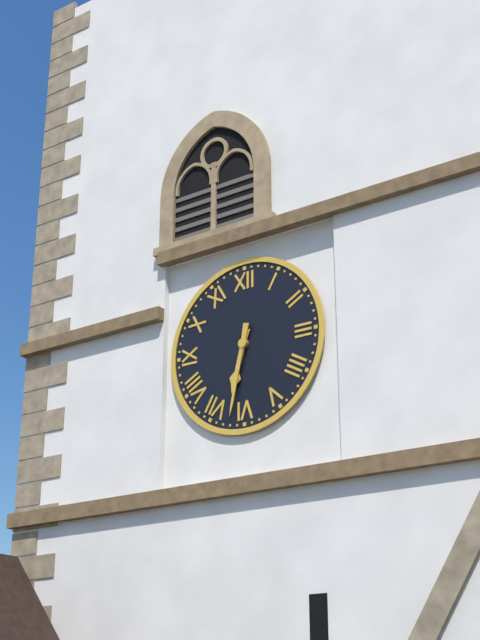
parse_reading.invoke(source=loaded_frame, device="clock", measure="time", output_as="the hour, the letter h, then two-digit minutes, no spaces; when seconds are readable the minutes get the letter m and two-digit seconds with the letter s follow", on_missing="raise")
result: 6h32
